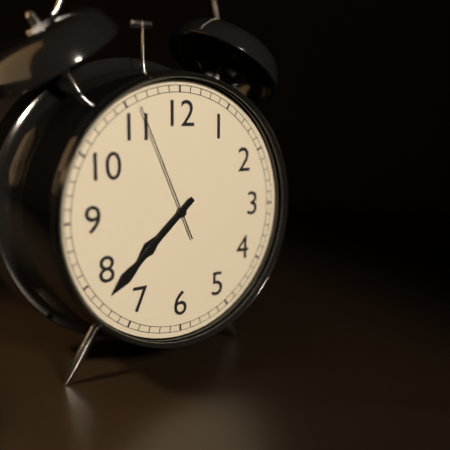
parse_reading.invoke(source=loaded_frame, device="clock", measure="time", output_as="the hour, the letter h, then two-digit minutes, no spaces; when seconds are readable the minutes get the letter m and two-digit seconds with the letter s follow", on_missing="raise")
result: 7h38m56s
